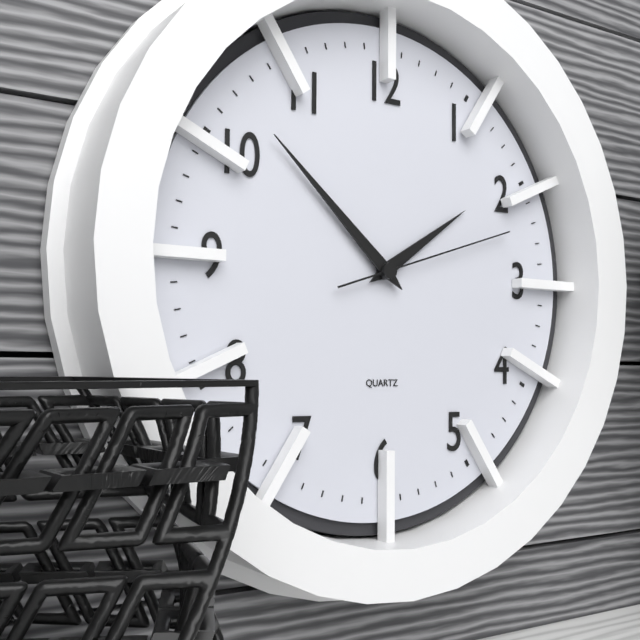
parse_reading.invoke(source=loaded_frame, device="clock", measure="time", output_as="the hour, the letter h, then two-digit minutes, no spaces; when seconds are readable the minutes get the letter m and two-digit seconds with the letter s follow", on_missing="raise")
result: 1h52m12s
